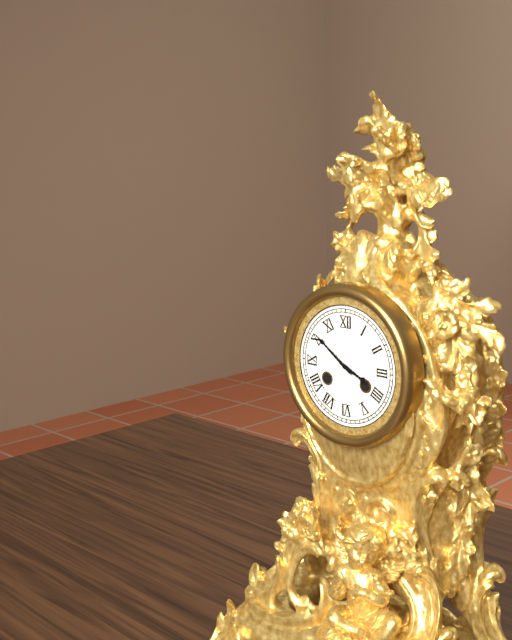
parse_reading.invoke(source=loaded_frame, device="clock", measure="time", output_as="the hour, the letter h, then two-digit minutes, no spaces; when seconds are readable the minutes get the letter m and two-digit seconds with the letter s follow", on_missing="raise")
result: 3h51
